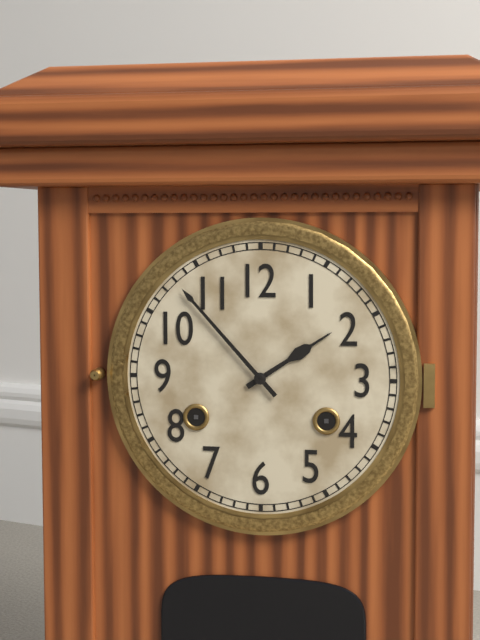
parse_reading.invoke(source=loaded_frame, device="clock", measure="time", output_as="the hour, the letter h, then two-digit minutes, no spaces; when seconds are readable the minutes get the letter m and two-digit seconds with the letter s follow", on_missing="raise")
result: 1h53
